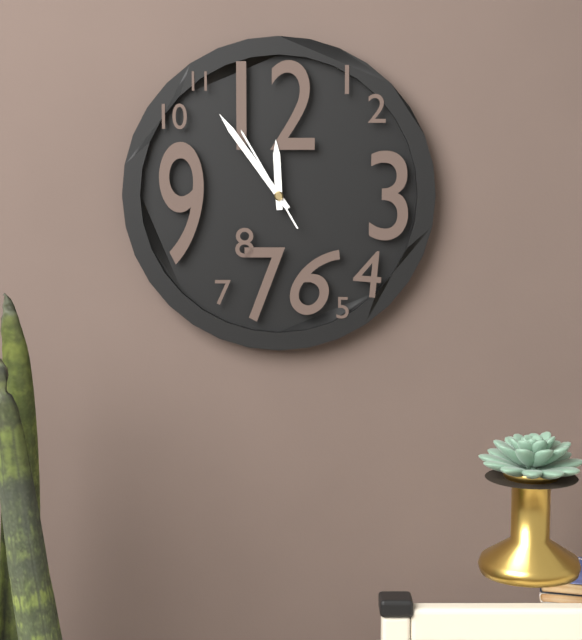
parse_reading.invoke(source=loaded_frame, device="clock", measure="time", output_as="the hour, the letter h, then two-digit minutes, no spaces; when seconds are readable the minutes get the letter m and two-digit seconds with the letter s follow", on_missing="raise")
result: 11h54m55s
